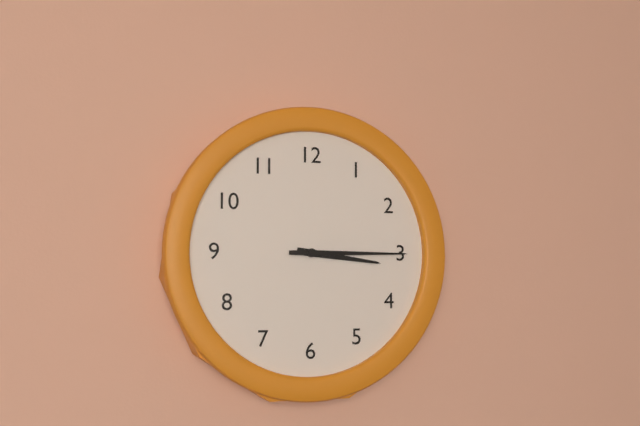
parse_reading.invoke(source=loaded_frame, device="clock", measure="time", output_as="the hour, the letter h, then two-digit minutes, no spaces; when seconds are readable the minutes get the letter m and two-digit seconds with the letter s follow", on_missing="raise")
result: 3h15
